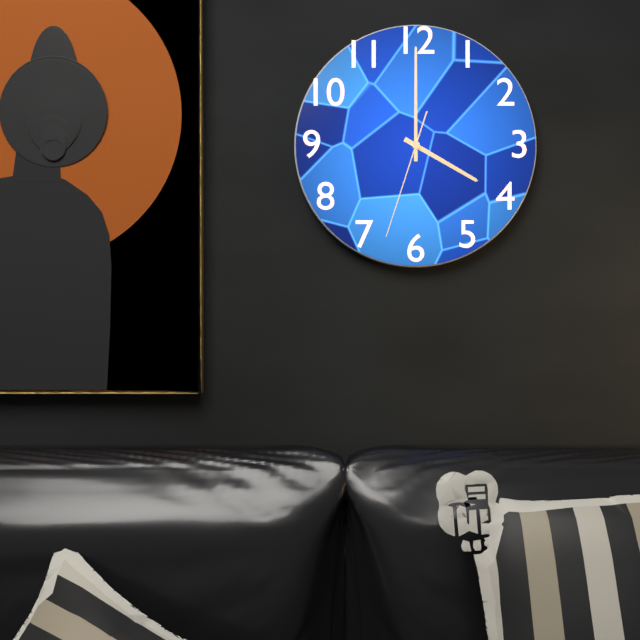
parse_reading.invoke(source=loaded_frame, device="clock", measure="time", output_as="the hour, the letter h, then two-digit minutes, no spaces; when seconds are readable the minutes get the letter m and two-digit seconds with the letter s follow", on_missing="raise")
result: 4h00m33s
